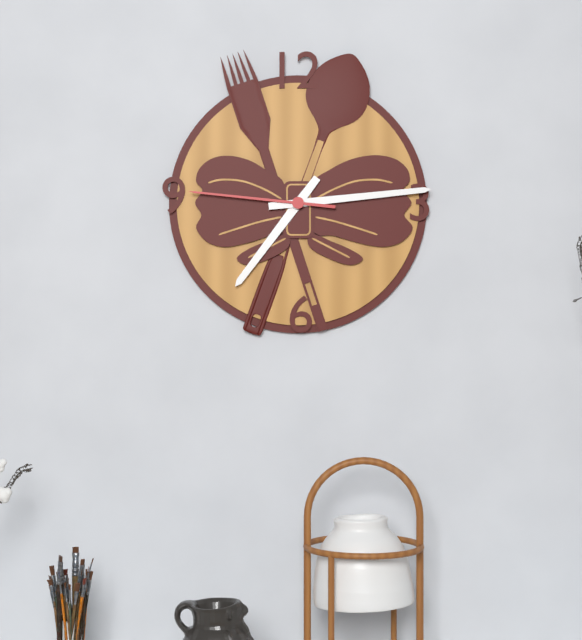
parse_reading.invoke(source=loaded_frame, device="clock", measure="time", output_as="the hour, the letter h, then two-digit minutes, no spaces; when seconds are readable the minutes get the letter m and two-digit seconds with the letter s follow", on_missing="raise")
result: 7h14m46s
